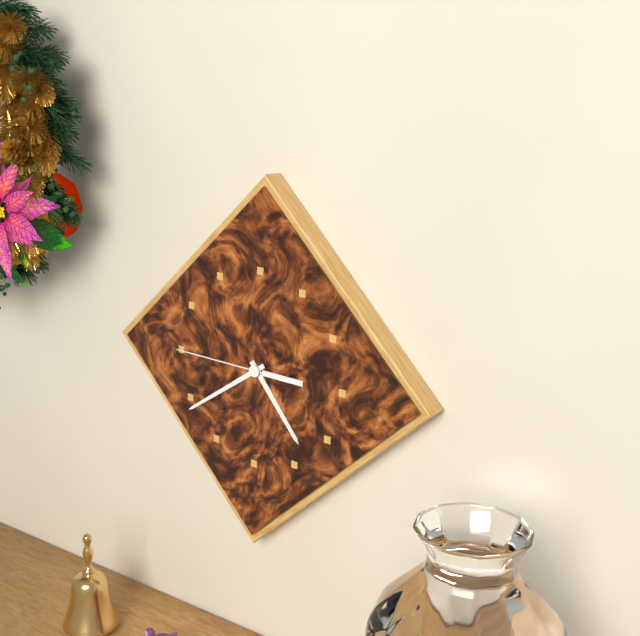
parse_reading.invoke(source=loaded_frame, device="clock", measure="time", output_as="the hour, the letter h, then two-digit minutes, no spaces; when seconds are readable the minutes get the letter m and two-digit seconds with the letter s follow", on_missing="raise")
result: 4h39m45s
